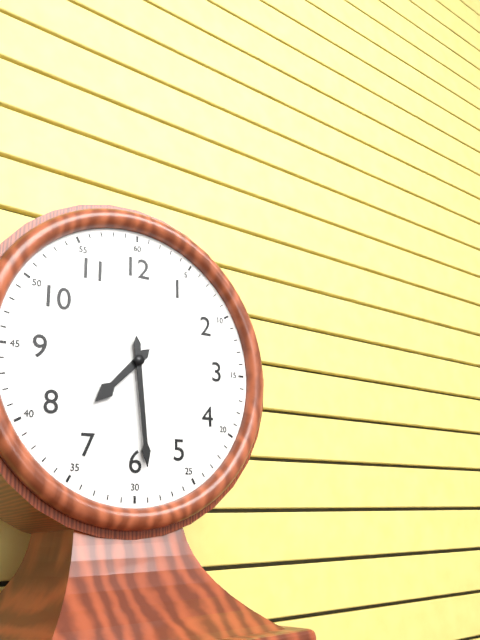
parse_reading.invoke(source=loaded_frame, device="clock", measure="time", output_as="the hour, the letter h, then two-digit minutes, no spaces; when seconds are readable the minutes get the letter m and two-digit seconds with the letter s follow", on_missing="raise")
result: 7h29
